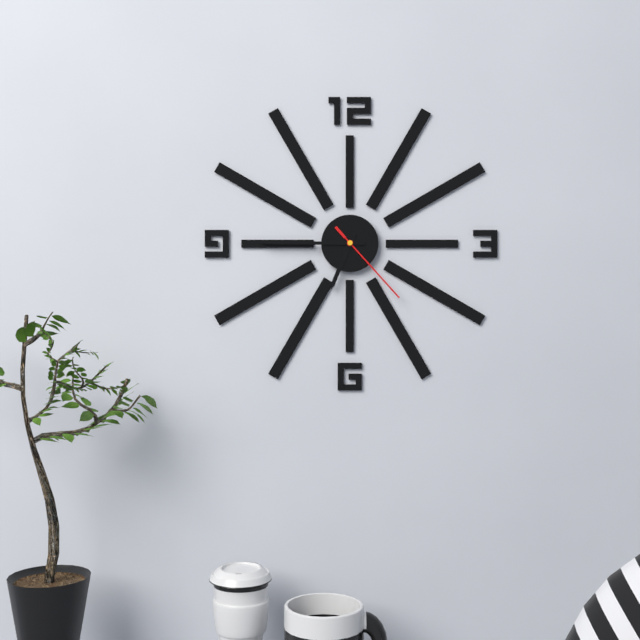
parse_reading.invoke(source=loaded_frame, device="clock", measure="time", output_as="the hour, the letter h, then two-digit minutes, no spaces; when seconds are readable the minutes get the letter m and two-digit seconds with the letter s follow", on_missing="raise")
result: 6h45m23s
